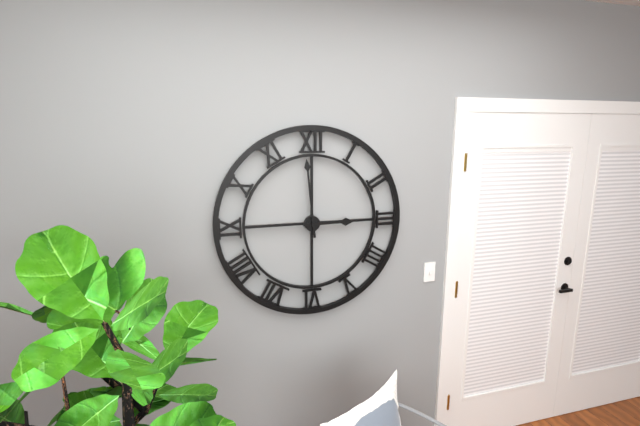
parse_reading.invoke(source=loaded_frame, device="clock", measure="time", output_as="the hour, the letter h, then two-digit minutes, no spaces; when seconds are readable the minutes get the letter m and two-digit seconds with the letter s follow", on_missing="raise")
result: 2h59
